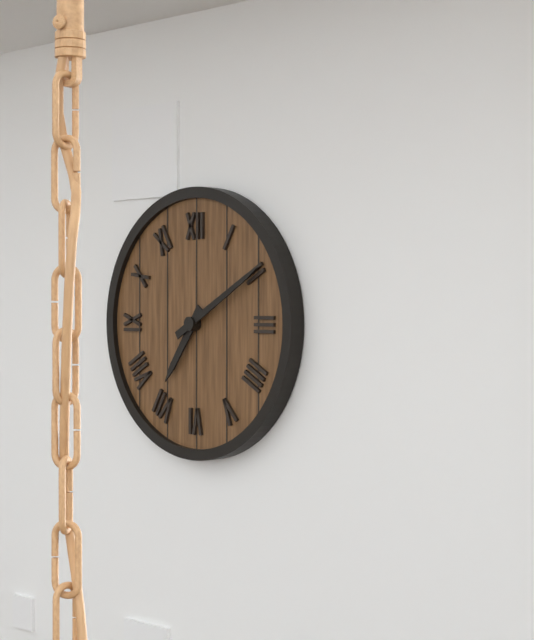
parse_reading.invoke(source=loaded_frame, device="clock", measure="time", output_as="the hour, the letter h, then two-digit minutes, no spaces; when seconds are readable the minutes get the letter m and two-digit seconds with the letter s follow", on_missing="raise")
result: 7h10
